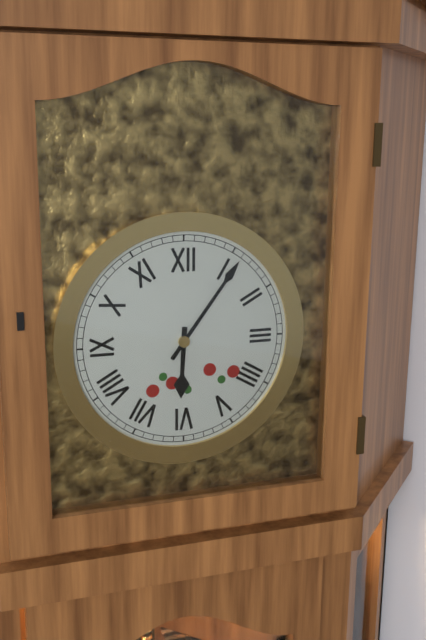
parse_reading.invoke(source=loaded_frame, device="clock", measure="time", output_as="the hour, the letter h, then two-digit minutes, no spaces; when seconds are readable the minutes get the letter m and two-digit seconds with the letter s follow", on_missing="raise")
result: 6h06
